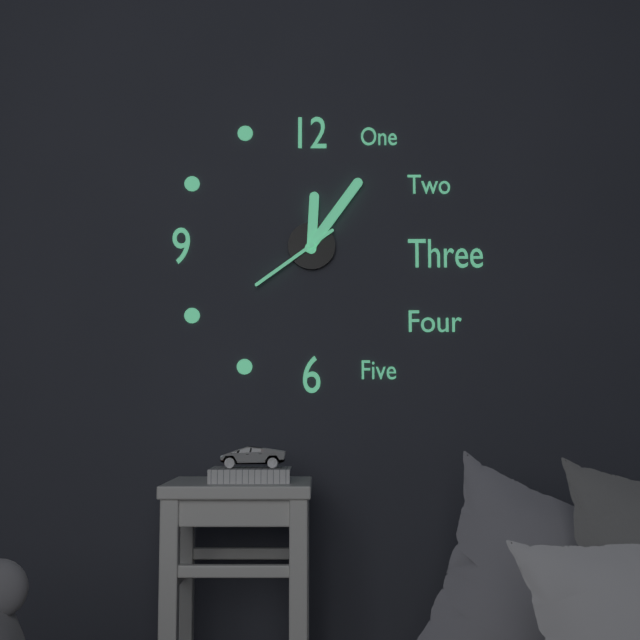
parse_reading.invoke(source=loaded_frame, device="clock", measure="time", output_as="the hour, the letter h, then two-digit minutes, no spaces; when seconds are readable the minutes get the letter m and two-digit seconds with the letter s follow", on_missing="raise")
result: 12h06m39s
